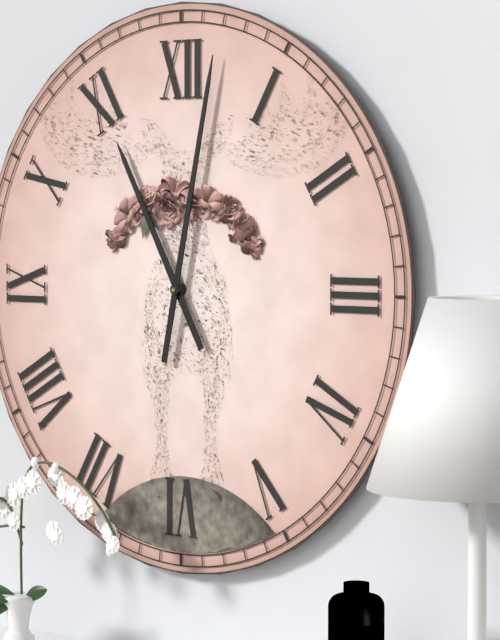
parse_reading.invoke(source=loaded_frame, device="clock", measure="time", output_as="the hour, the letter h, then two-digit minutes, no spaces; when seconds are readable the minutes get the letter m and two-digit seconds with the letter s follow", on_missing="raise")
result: 11h02
